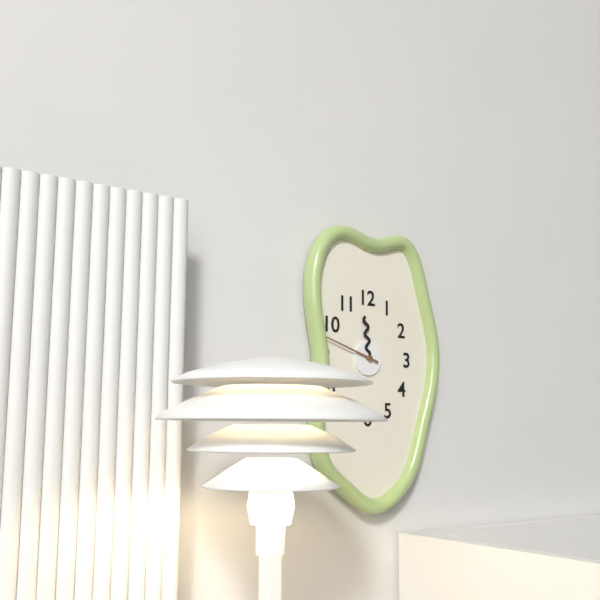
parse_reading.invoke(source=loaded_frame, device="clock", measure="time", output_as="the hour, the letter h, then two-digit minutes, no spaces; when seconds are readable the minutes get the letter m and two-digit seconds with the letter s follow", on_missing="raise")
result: 11h48
